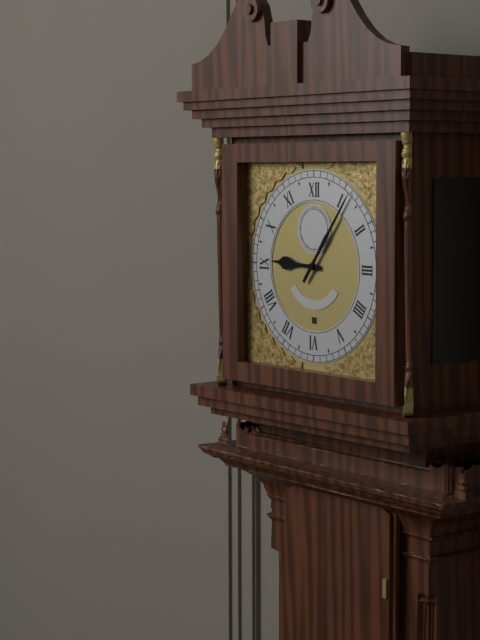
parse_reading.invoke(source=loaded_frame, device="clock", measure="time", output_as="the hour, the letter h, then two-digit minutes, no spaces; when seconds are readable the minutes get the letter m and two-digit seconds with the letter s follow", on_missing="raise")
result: 9h06
